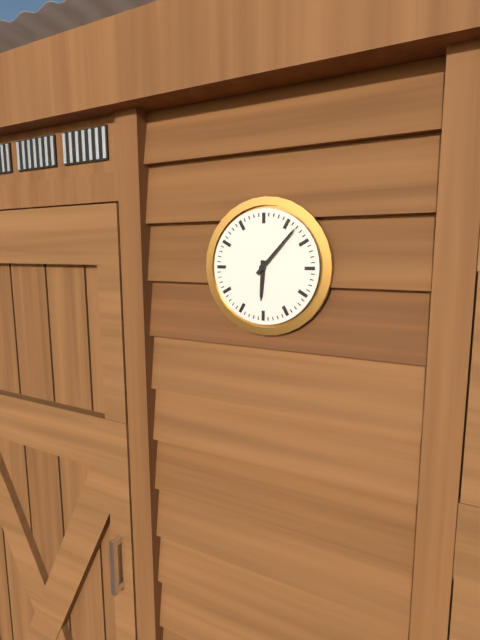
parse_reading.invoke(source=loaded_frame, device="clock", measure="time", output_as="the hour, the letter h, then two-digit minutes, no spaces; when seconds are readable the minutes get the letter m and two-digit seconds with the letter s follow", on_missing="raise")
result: 6h07
